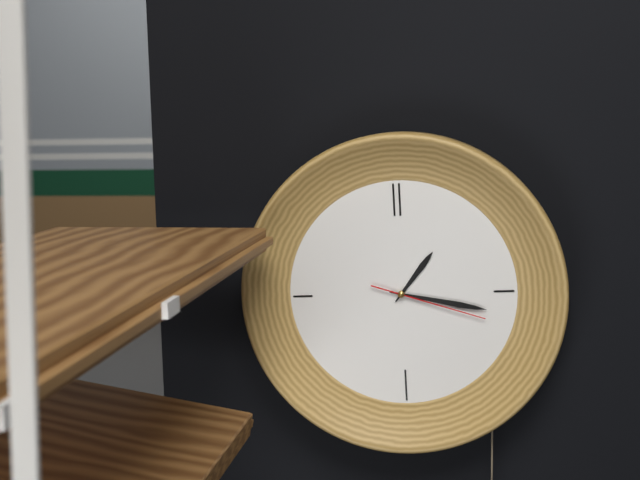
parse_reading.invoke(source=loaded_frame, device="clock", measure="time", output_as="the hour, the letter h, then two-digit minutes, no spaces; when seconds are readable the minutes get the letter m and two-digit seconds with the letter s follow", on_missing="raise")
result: 1h17m18s
